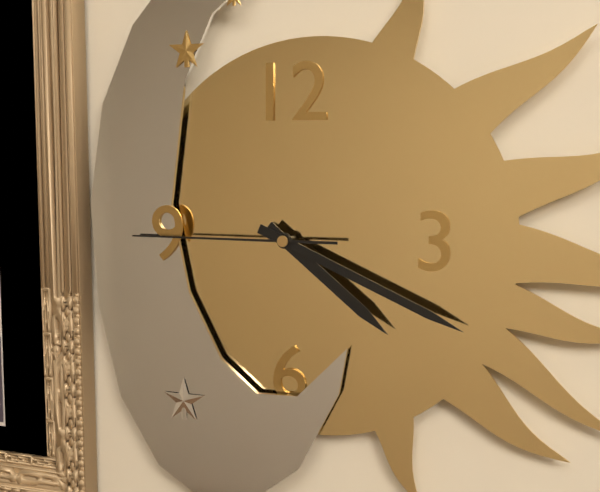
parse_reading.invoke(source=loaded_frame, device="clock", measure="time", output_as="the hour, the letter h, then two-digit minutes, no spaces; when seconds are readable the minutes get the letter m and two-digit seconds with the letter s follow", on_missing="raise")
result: 4h19m45s
